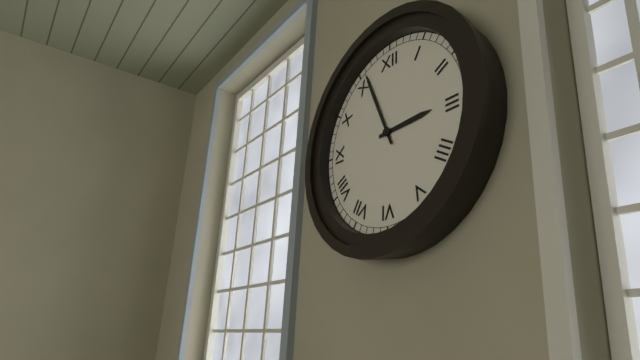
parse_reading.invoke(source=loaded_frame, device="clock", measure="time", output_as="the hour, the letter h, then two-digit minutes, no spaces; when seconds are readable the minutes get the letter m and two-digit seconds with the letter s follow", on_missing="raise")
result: 2h56
